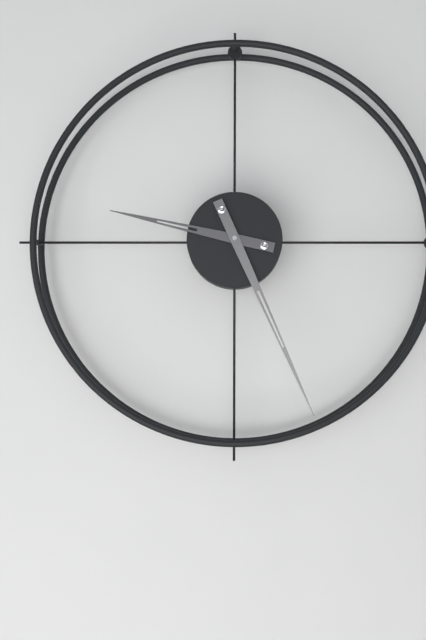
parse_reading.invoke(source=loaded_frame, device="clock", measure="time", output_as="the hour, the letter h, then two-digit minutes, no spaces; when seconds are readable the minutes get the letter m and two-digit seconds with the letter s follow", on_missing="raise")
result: 9h26
